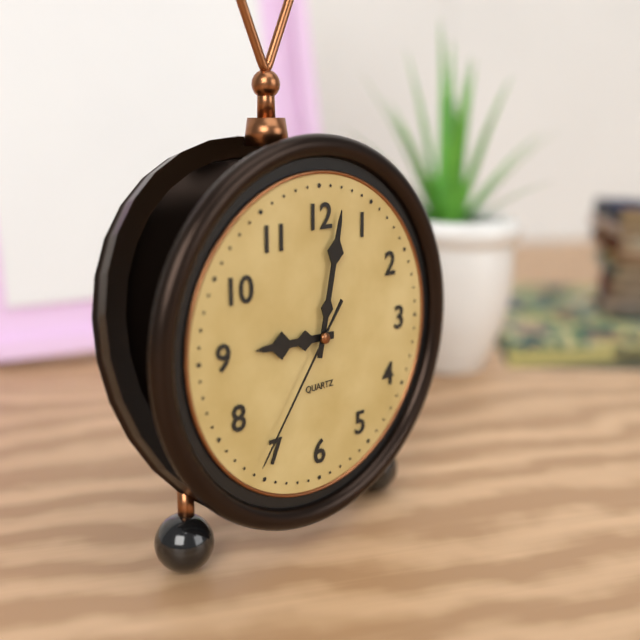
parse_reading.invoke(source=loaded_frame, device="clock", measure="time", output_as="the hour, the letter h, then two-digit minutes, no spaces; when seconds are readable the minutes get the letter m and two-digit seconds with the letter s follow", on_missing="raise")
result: 9h02m36s
